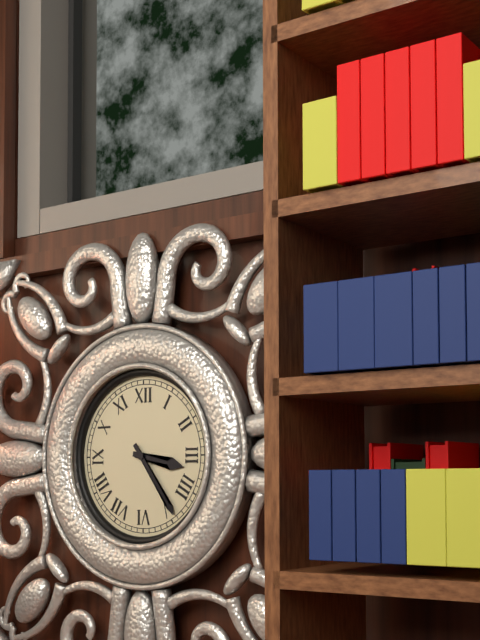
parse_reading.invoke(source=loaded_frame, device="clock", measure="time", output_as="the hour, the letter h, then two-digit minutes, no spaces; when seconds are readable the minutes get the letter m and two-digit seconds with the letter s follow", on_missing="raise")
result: 3h24
